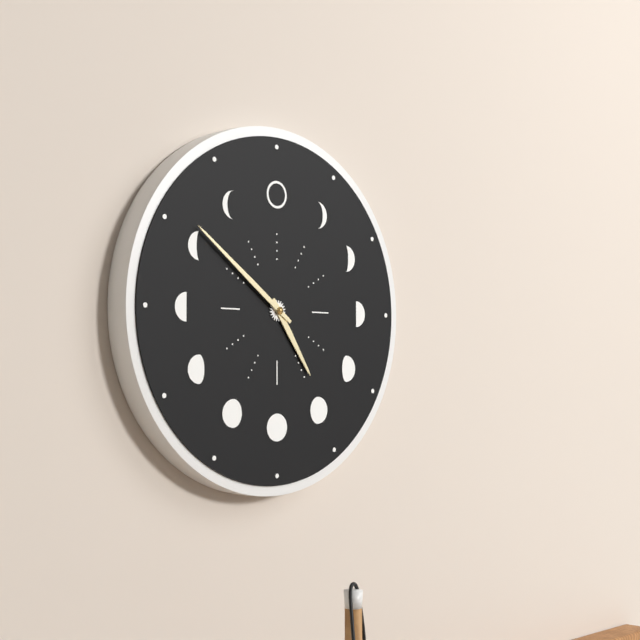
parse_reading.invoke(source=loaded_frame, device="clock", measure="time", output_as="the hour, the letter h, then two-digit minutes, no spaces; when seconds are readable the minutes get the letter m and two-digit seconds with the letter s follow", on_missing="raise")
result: 4h51
